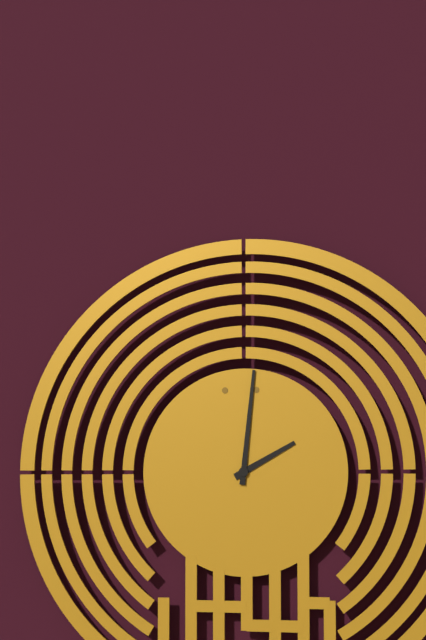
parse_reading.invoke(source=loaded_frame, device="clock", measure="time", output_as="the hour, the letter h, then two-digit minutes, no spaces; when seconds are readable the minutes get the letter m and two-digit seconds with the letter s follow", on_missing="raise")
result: 2h01
